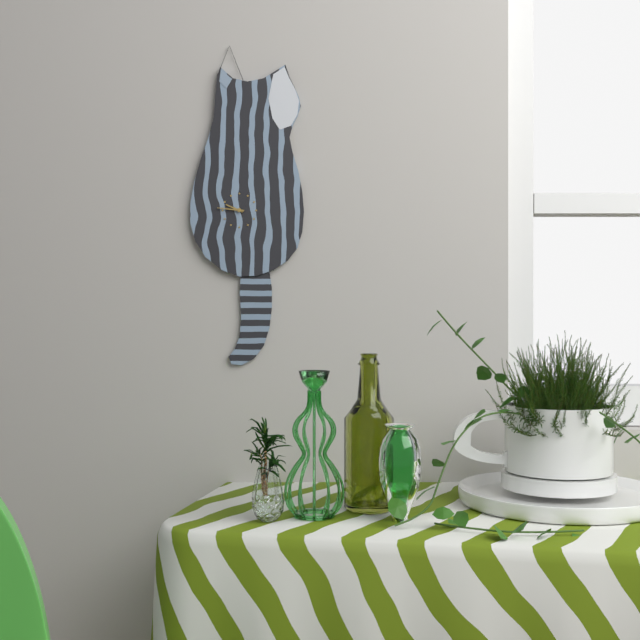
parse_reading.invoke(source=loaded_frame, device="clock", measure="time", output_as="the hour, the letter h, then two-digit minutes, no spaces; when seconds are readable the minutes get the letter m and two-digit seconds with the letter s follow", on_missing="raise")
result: 9h46
